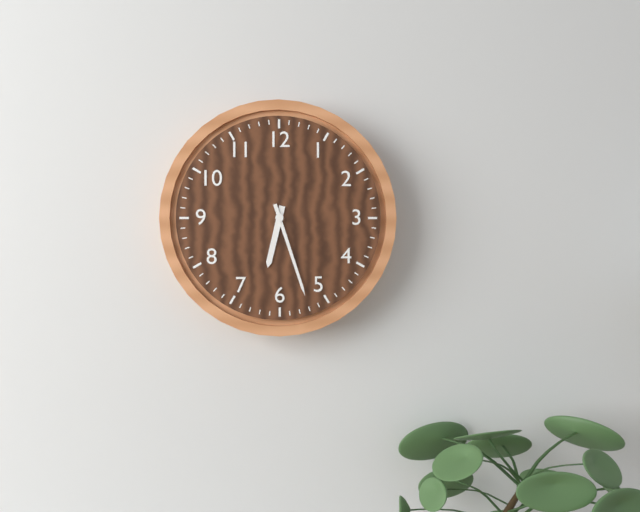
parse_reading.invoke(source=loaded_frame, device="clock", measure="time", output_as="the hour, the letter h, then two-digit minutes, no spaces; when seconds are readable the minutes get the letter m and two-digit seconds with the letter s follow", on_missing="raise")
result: 6h27
